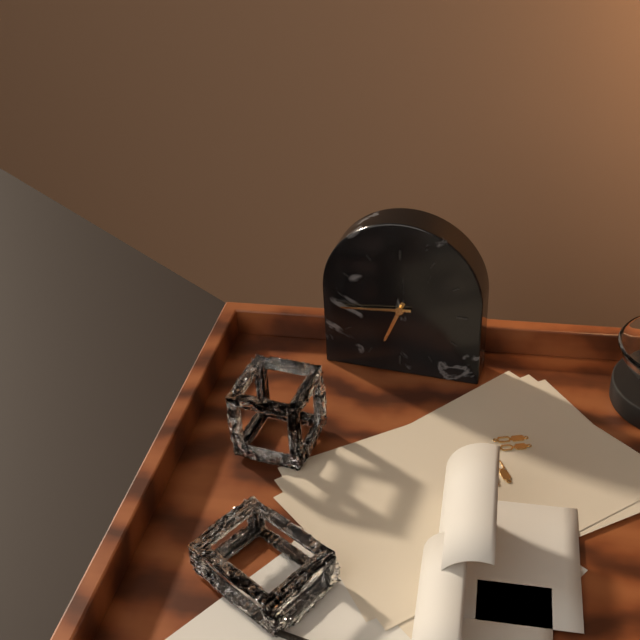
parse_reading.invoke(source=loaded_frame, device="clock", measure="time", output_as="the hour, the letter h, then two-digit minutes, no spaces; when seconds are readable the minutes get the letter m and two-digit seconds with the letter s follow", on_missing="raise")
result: 6h44
